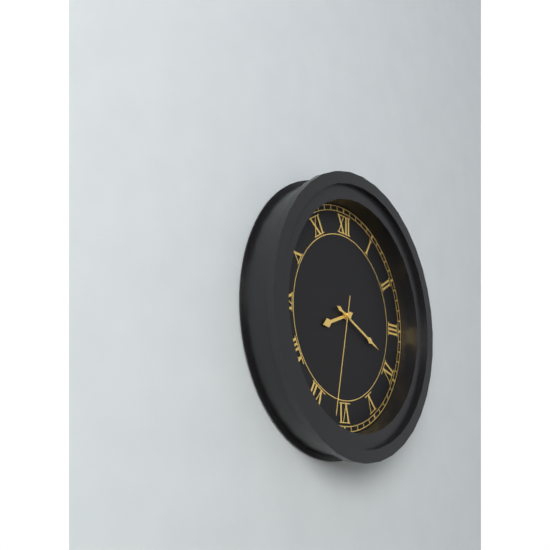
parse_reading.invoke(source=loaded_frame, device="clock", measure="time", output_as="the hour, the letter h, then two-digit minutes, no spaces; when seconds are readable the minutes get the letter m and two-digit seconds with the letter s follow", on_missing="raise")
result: 8h19m32s
